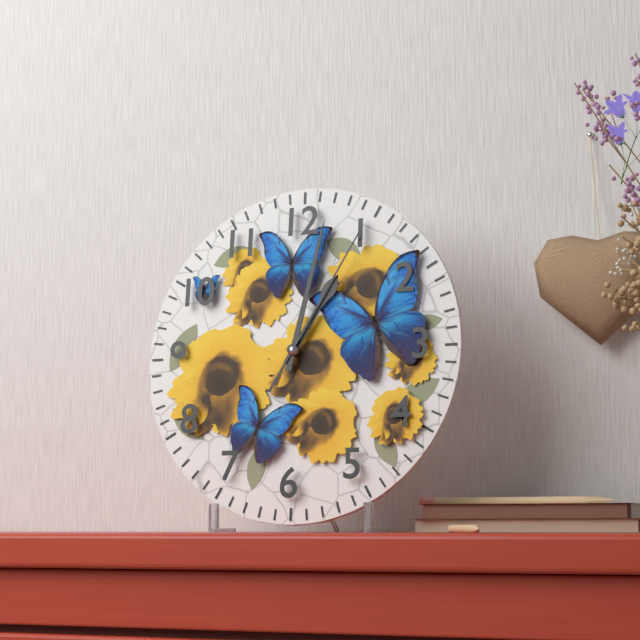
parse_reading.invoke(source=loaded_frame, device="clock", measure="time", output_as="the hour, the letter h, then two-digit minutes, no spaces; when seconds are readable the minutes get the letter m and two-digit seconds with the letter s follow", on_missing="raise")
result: 1h02m05s
